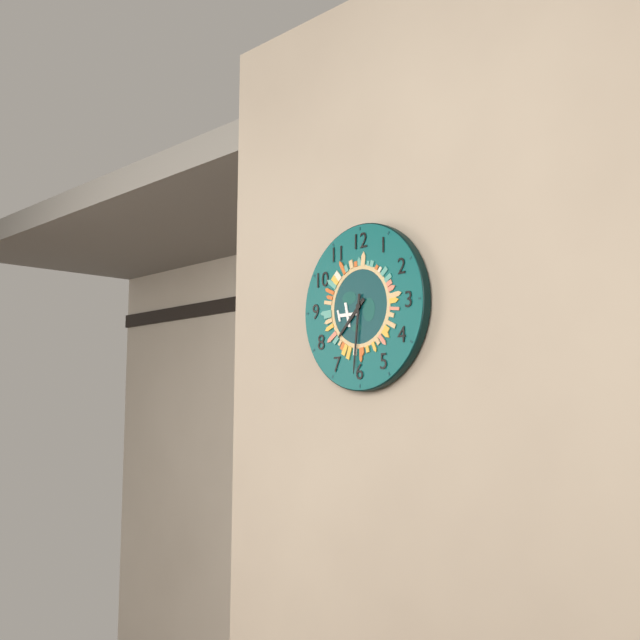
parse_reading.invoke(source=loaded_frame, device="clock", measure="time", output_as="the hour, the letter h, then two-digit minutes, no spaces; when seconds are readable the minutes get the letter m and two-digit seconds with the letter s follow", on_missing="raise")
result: 7h31
